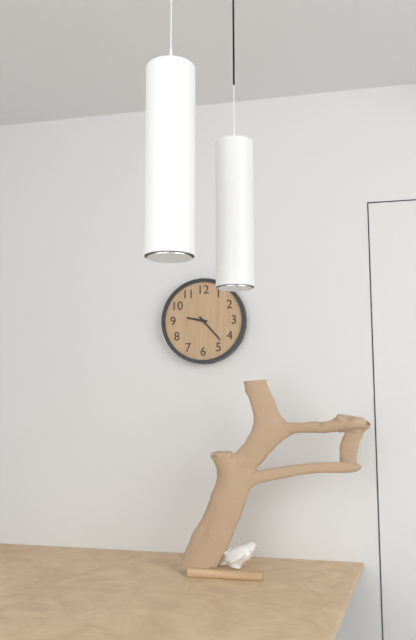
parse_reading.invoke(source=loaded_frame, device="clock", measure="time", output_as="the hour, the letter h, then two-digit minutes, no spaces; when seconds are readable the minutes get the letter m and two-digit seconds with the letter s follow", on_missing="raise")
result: 9h23
